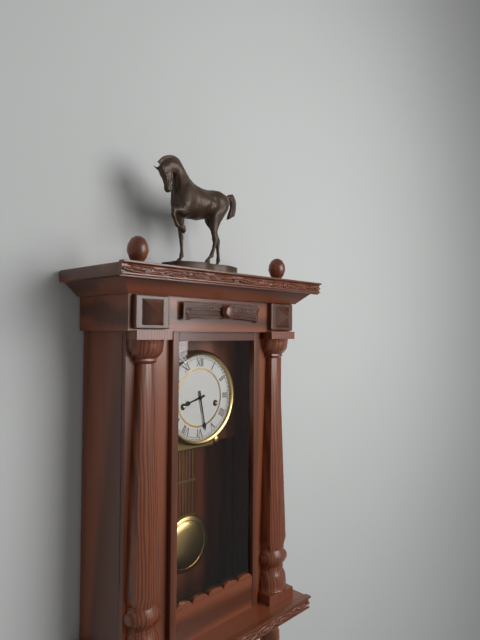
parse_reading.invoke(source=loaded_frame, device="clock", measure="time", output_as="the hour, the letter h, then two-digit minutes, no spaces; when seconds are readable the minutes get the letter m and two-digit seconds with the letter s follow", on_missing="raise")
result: 8h28
